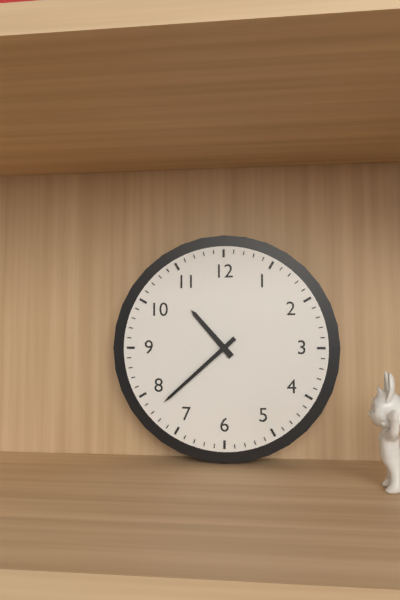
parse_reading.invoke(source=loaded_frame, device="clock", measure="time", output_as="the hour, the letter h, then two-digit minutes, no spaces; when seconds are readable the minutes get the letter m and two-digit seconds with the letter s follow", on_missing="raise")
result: 10h38
